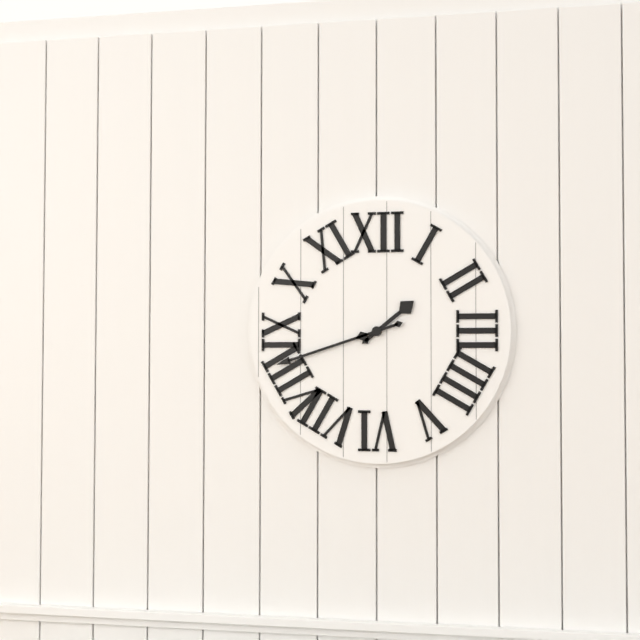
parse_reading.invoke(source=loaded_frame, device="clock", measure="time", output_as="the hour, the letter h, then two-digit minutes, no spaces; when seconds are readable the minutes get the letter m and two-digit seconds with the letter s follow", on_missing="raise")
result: 1h42
